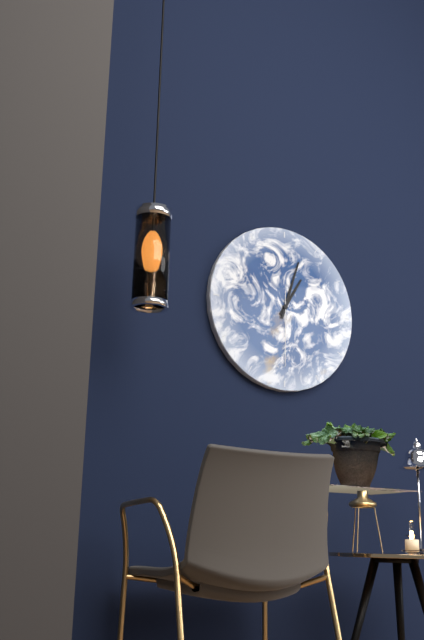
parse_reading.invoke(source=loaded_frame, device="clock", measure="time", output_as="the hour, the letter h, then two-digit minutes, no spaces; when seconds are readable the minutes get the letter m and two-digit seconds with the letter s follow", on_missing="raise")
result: 1h03m30s
